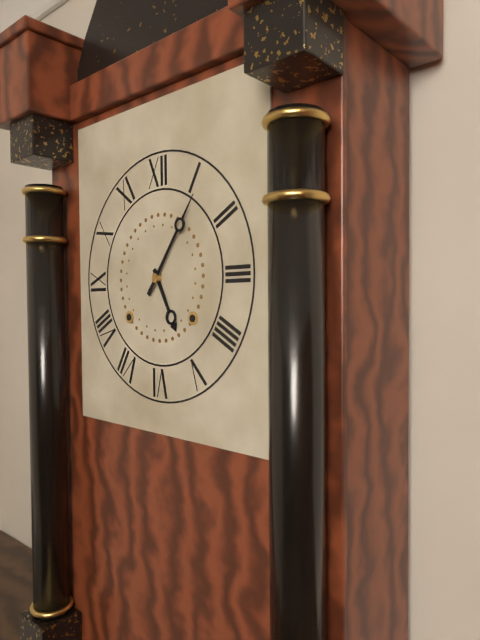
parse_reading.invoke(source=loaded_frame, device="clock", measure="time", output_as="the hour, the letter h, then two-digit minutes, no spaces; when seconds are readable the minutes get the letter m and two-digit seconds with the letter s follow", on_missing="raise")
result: 5h06
